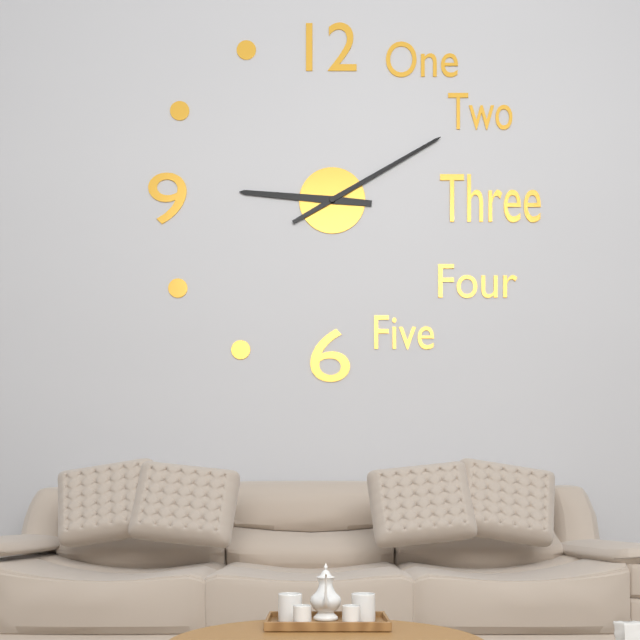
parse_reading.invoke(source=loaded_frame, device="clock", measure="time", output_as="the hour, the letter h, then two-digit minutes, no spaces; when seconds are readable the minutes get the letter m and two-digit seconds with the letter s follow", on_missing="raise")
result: 9h10
